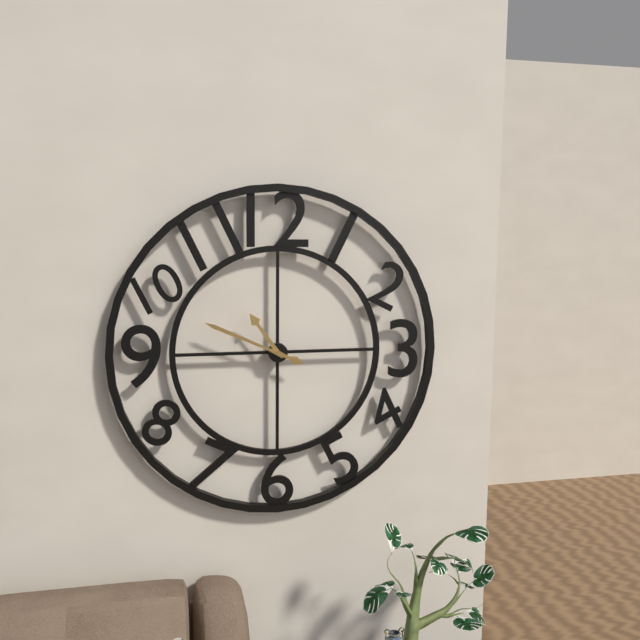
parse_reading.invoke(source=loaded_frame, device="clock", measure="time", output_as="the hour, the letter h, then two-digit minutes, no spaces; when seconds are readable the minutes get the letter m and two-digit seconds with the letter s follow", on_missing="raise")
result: 10h49
